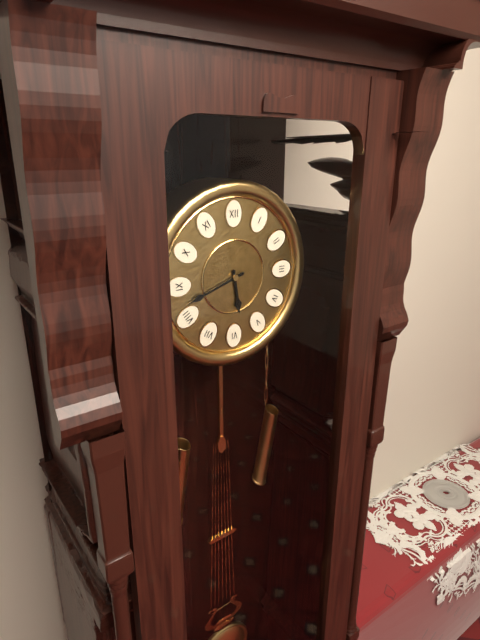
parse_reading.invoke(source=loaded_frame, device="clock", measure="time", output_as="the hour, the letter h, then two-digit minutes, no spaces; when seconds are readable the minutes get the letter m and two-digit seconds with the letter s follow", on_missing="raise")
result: 5h42
